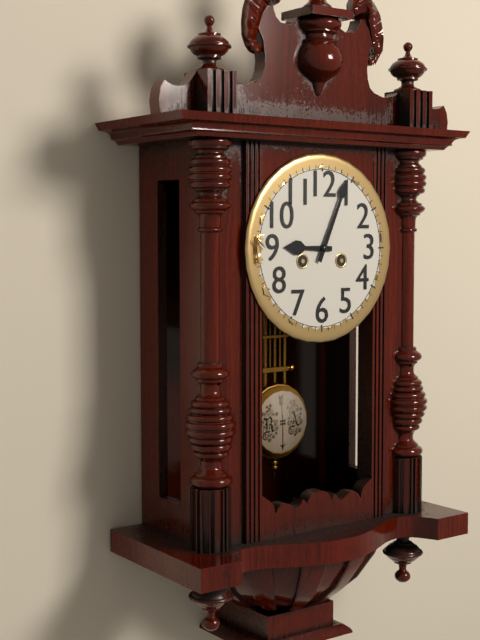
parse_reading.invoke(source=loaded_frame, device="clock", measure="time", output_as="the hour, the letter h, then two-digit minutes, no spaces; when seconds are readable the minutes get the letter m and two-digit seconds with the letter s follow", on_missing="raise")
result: 9h04
